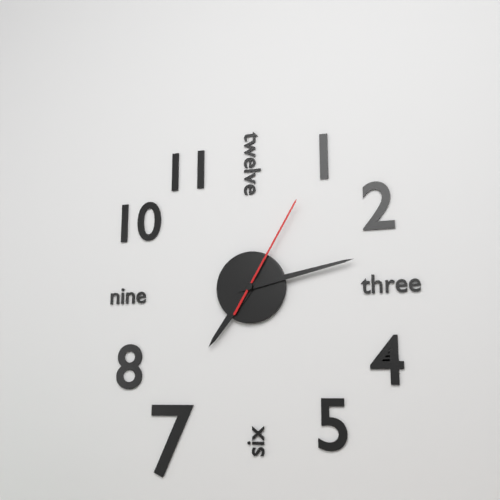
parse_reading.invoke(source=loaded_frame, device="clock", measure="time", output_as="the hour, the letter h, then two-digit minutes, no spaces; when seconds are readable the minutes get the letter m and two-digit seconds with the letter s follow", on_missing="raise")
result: 7h13m05s
